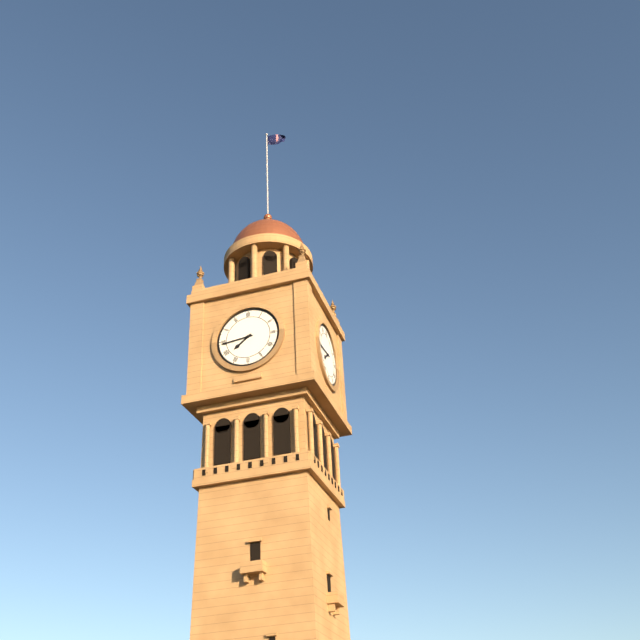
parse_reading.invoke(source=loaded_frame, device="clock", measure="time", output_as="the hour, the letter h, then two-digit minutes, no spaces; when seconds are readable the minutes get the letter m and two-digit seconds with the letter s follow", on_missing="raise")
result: 7h44
